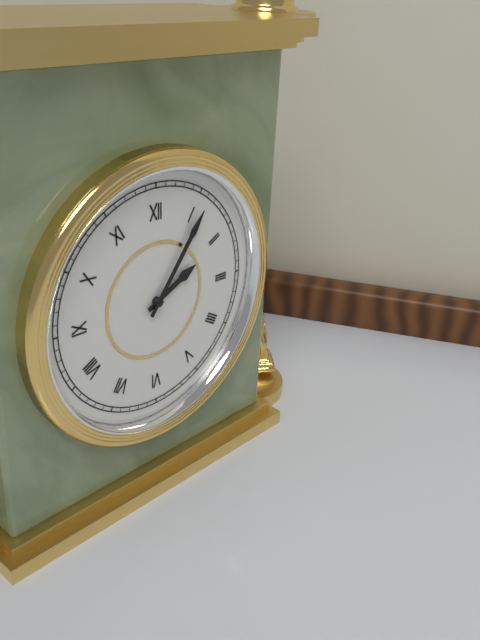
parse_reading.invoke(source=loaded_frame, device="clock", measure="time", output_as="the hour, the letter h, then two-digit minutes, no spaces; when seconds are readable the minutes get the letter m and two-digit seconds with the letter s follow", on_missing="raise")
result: 2h06
